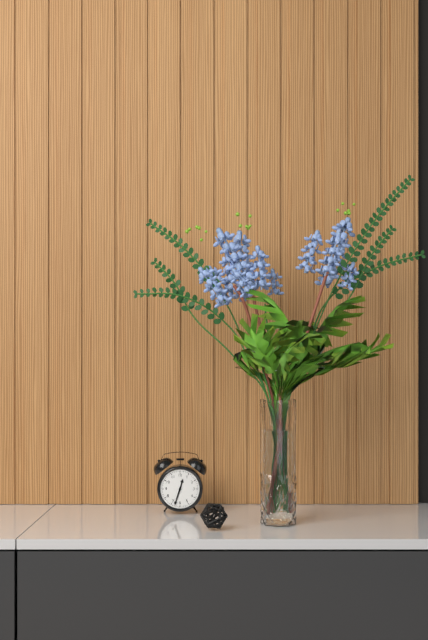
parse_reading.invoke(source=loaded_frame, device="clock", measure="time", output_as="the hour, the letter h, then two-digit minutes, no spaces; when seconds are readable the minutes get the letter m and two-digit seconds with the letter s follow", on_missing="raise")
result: 12h33
